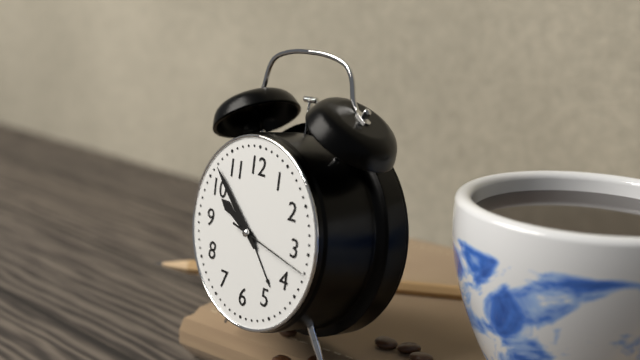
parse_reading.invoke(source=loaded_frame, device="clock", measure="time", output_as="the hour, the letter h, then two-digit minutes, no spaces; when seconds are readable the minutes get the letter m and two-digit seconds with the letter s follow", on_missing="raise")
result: 9h52m17s
